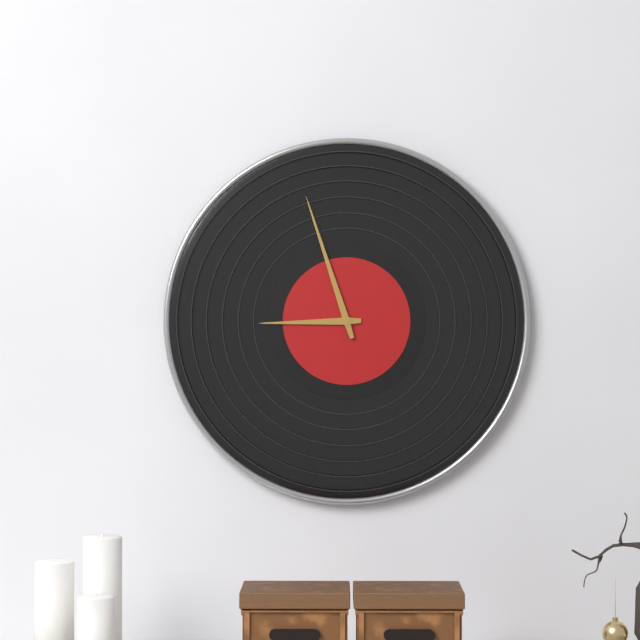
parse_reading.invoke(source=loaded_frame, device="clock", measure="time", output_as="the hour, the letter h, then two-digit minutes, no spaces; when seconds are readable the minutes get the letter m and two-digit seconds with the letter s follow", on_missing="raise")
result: 8h57
